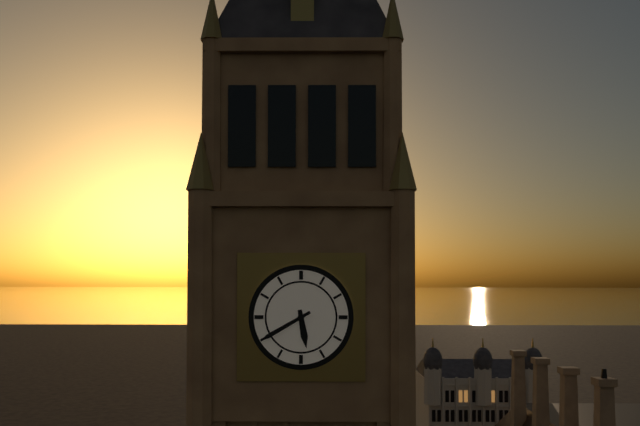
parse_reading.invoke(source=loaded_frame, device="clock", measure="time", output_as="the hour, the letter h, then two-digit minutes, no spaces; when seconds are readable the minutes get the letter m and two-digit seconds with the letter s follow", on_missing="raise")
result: 5h40
